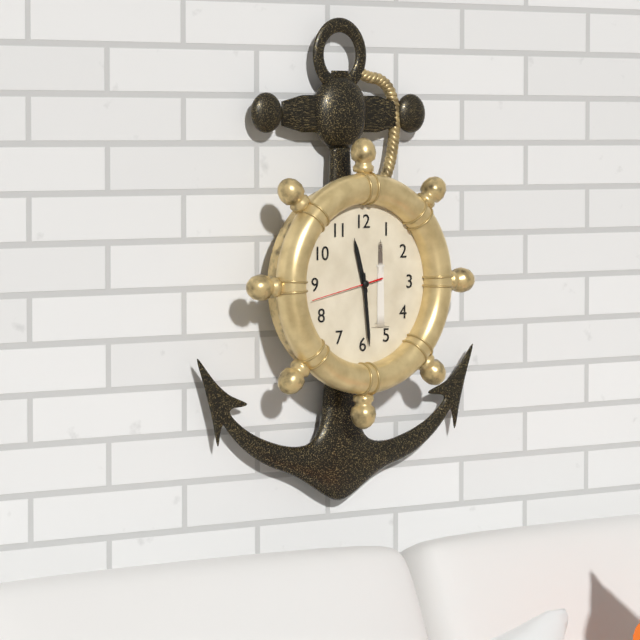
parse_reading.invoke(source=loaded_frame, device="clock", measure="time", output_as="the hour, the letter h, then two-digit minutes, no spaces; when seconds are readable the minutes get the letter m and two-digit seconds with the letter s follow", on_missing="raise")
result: 11h29m43s
